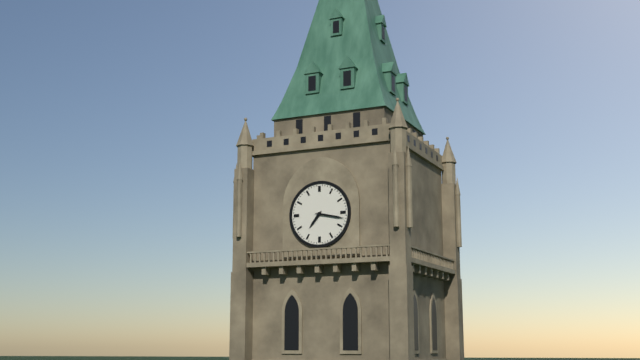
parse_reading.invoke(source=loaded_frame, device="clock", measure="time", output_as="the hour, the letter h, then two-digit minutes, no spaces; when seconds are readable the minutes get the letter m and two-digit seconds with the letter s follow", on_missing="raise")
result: 7h17
